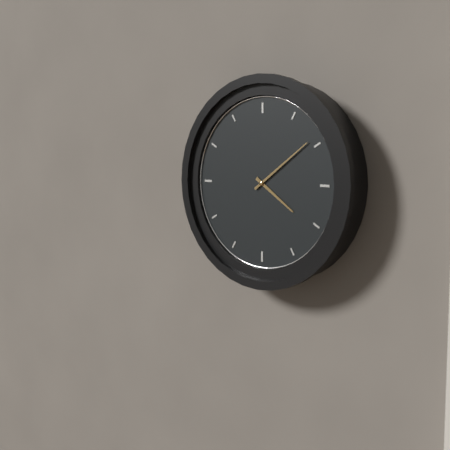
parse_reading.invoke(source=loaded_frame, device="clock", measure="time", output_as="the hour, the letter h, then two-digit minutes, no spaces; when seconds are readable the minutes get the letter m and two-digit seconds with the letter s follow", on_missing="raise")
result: 4h09
